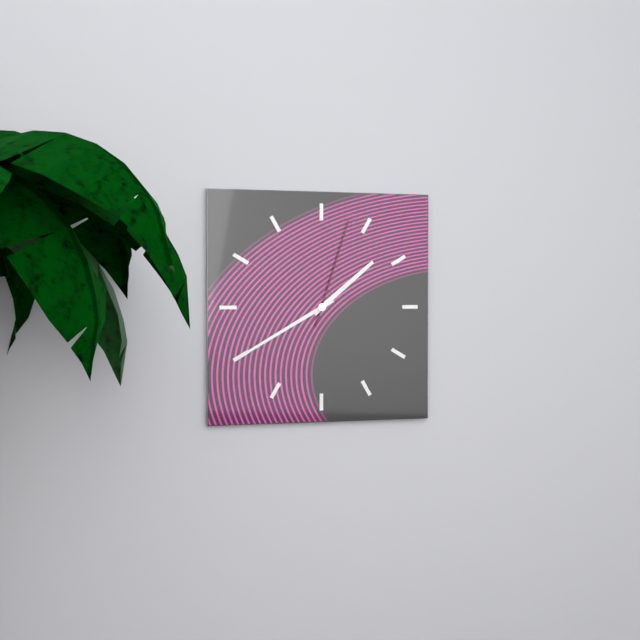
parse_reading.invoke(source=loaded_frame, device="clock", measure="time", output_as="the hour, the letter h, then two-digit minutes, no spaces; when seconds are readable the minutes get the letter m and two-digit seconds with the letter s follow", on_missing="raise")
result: 1h40m03s
